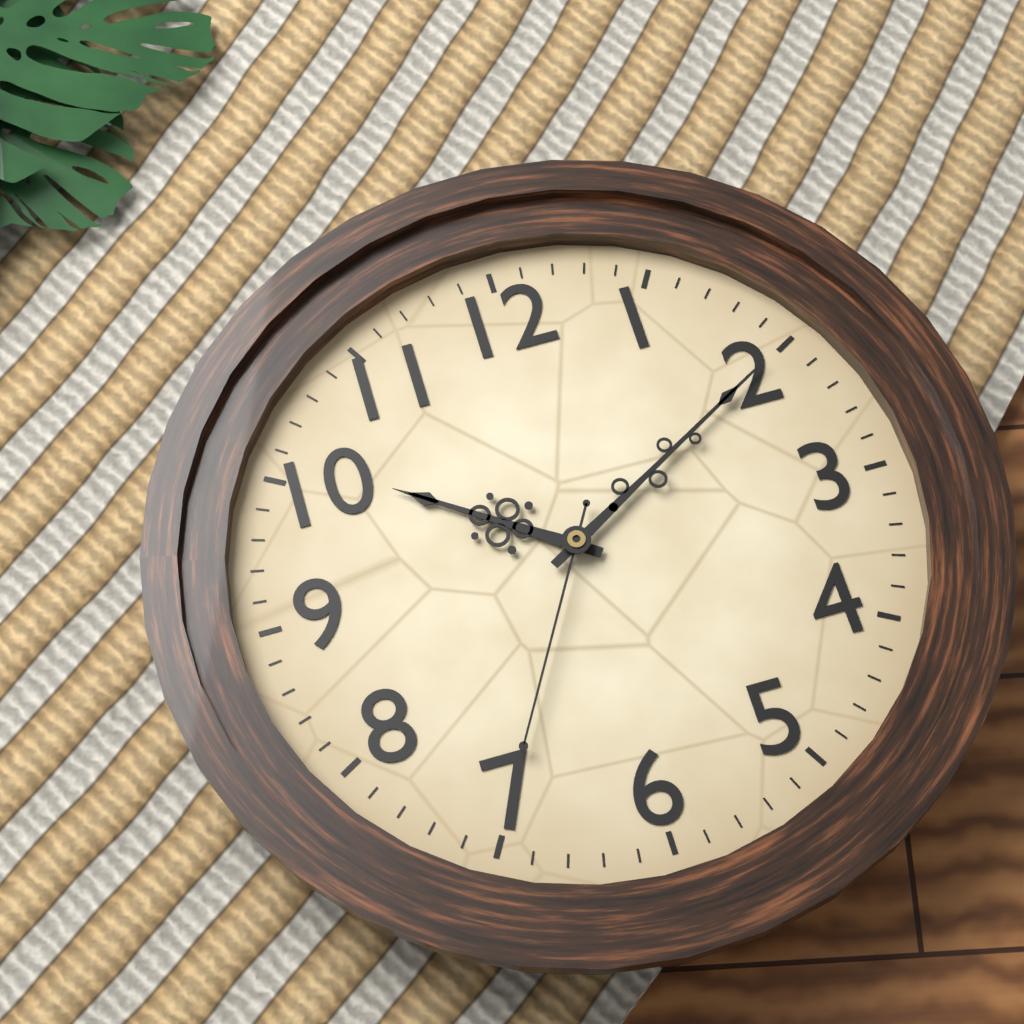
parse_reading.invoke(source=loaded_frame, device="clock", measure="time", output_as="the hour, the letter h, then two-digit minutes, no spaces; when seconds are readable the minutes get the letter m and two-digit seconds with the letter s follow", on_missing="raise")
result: 10h10m35s
